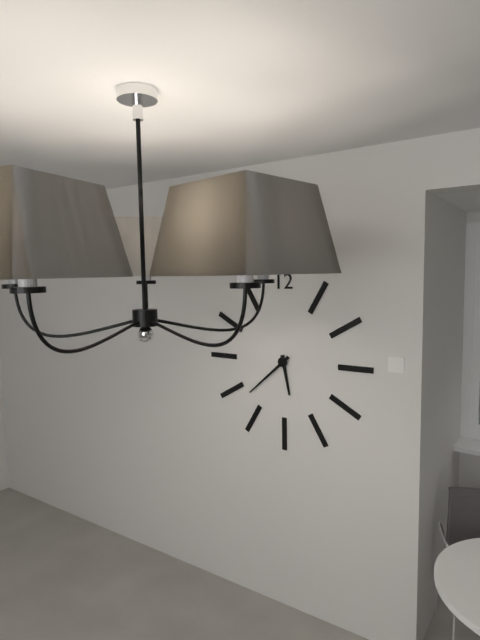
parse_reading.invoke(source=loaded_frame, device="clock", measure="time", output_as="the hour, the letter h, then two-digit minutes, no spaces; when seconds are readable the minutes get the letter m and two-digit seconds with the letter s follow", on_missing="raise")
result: 5h38
